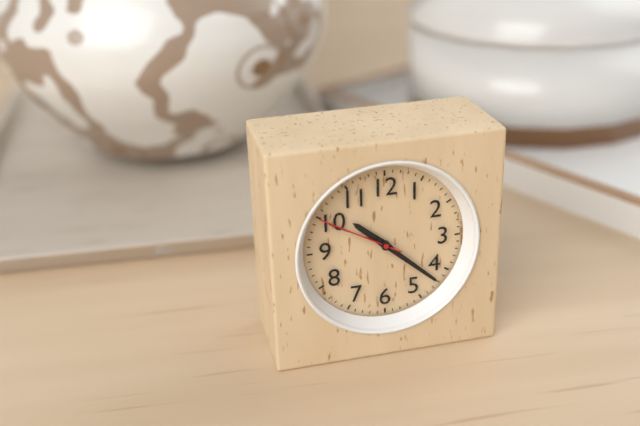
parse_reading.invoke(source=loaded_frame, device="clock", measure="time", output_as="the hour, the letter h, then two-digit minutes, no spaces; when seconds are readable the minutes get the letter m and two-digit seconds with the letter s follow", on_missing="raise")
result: 10h22m50s
